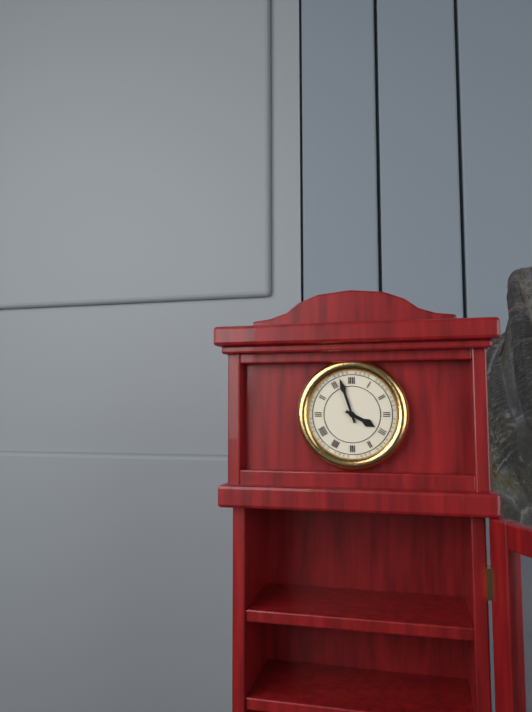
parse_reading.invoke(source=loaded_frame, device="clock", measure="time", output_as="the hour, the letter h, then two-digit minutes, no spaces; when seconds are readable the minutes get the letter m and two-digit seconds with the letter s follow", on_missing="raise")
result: 3h57
